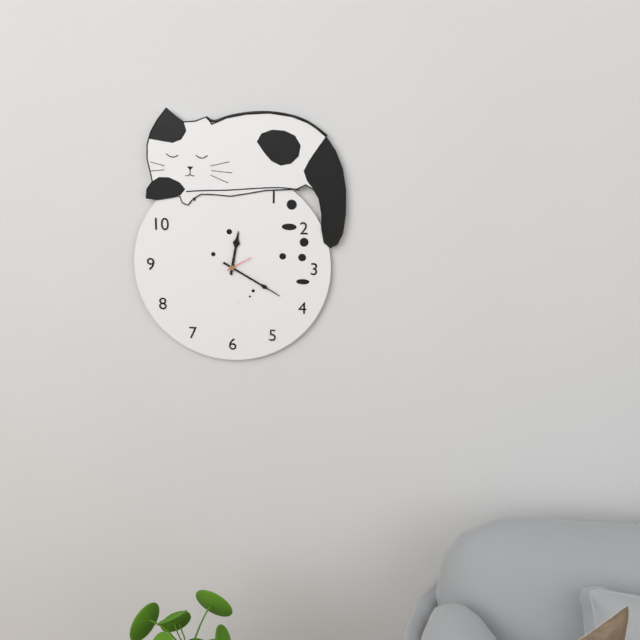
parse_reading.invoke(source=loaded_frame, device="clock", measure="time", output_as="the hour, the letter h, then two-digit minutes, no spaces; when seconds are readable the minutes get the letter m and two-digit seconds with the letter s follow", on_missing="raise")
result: 12h20
